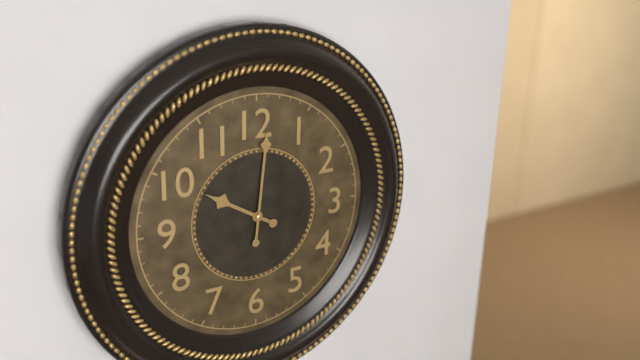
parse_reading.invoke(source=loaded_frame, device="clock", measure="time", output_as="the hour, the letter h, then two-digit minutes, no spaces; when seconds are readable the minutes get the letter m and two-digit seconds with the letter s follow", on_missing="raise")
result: 10h01
